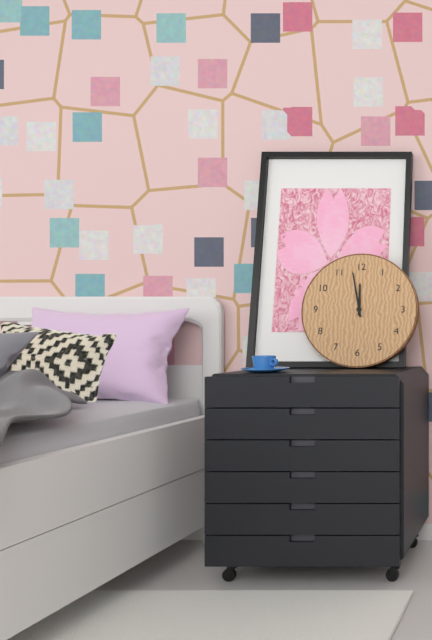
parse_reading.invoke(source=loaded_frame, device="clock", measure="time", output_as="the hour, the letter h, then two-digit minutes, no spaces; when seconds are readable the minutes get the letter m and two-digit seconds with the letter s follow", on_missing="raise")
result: 11h58
